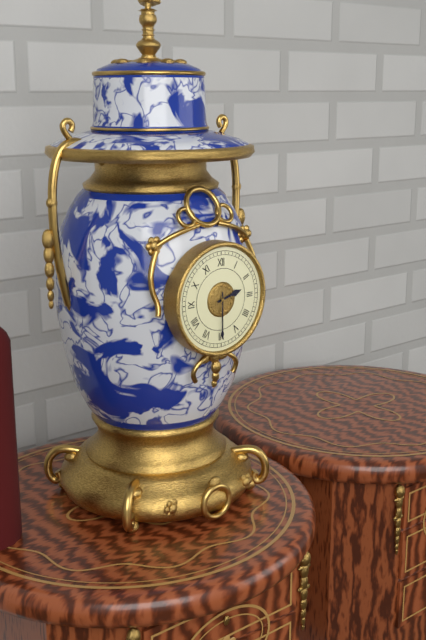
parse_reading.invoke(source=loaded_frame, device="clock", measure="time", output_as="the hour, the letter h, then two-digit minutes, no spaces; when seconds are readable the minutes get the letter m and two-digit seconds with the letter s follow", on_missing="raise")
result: 2h30
